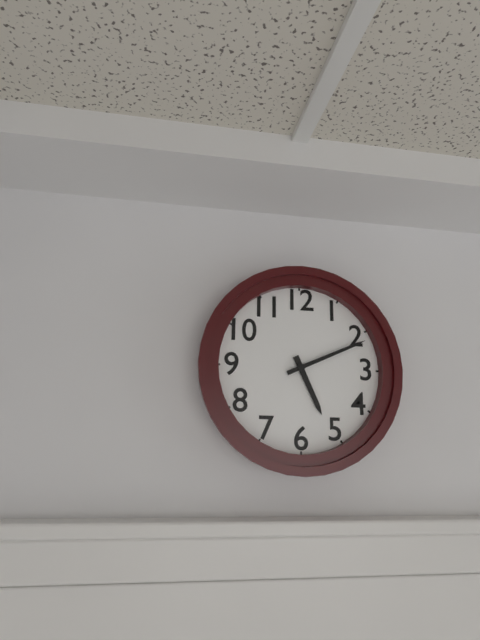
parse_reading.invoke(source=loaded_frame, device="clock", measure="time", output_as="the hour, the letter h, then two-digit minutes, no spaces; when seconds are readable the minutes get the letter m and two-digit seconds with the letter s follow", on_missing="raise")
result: 5h11
